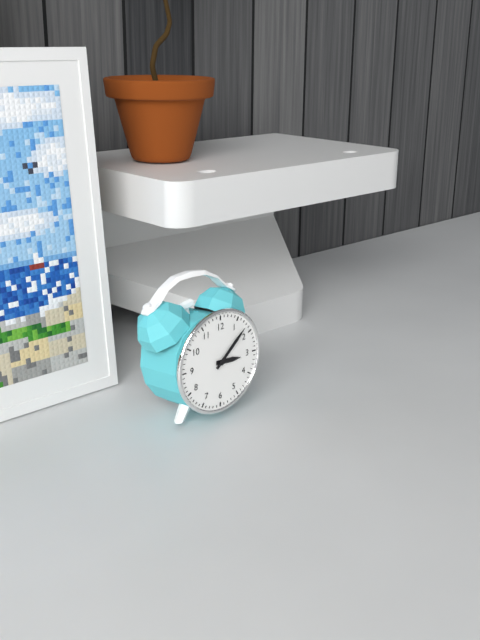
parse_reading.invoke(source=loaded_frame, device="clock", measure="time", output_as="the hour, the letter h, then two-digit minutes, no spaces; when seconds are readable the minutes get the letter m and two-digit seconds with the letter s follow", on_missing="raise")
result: 3h08
